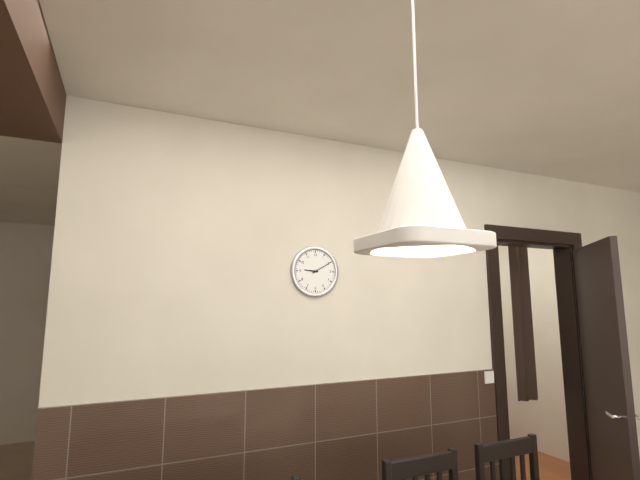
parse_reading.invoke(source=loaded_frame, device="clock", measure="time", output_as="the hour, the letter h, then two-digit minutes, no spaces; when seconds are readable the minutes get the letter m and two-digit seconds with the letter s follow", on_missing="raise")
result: 9h10
